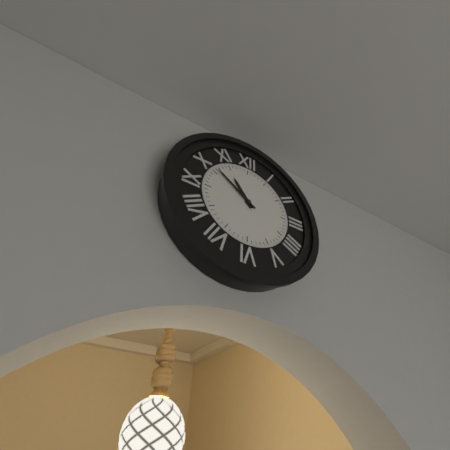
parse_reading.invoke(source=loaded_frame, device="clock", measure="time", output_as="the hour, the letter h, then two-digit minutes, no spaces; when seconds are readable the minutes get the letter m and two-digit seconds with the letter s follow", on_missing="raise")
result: 10h51
